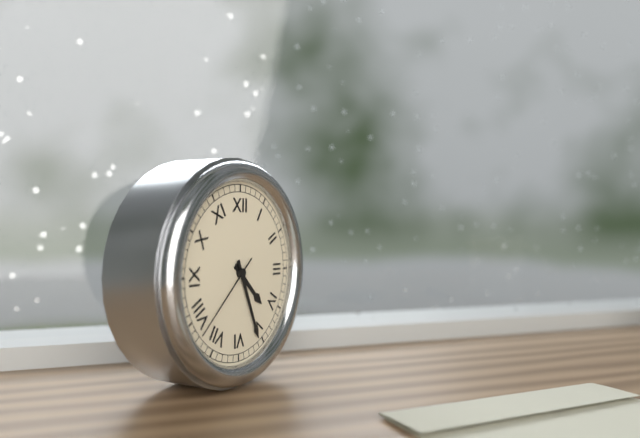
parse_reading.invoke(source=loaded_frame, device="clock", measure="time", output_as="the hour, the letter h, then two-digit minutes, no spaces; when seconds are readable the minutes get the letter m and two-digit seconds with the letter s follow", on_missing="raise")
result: 4h26m38s
